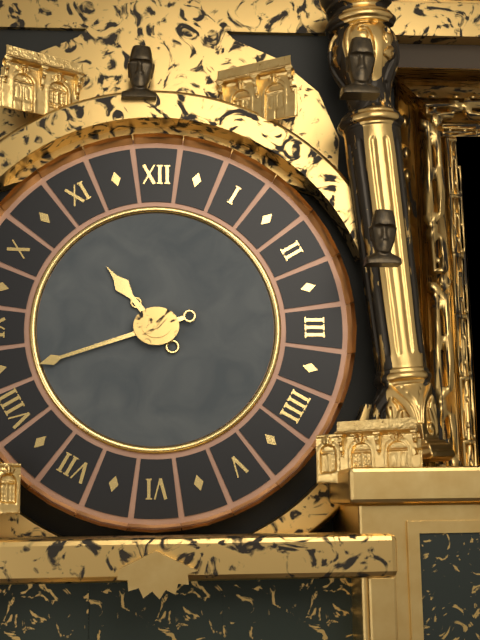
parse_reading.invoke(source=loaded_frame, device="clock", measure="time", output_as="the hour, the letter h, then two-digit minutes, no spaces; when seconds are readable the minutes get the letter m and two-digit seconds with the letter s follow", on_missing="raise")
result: 10h42
